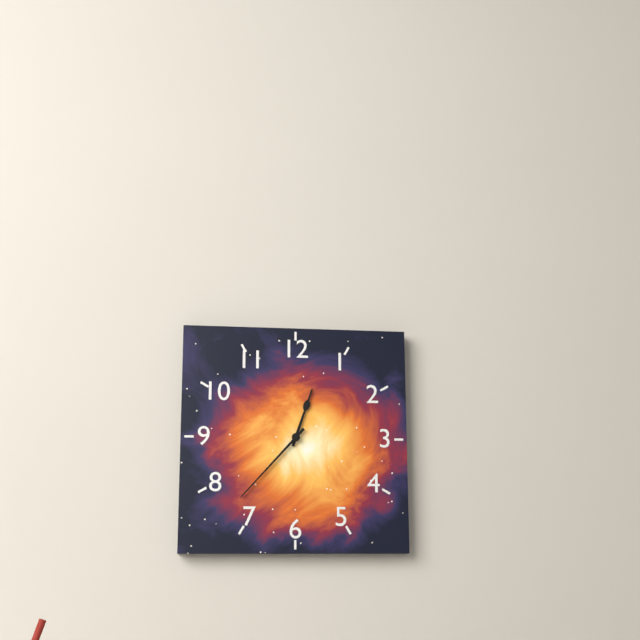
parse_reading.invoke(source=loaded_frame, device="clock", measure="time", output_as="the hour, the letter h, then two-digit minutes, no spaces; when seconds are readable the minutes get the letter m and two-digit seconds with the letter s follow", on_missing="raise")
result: 12h37
